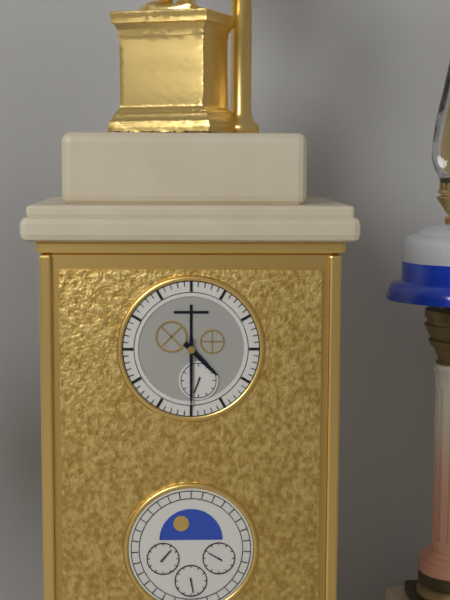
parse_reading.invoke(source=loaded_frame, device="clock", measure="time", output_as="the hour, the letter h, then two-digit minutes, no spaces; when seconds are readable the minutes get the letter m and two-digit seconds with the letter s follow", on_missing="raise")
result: 4h30
